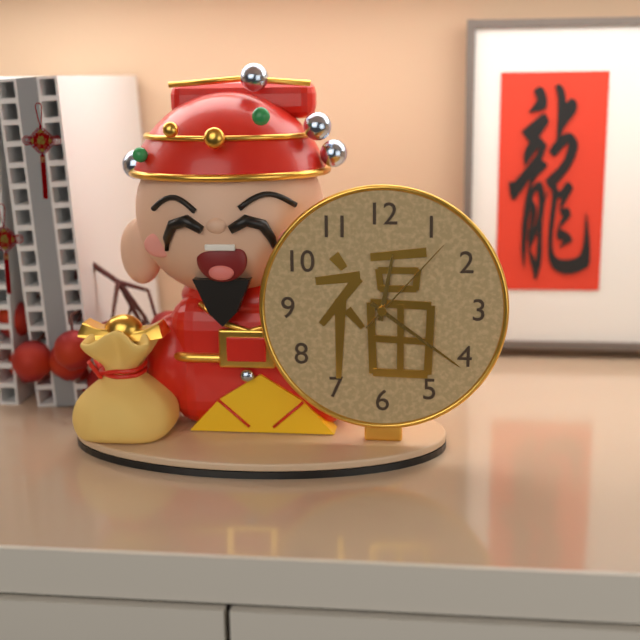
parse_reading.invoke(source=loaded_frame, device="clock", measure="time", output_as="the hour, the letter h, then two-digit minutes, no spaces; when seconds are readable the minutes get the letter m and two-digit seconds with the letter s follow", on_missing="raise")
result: 12h21m07s
